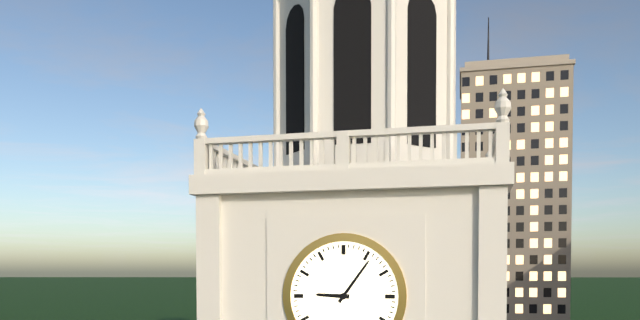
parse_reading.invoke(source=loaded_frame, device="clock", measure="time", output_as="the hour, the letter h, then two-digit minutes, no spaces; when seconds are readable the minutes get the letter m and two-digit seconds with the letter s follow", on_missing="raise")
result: 9h06
